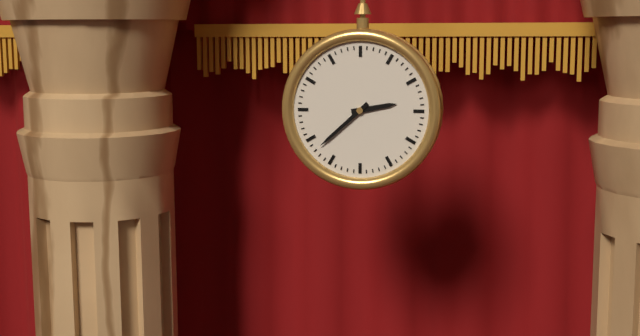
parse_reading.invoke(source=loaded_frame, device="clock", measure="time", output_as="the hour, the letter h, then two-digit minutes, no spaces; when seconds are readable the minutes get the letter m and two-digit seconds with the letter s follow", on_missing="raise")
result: 2h38
